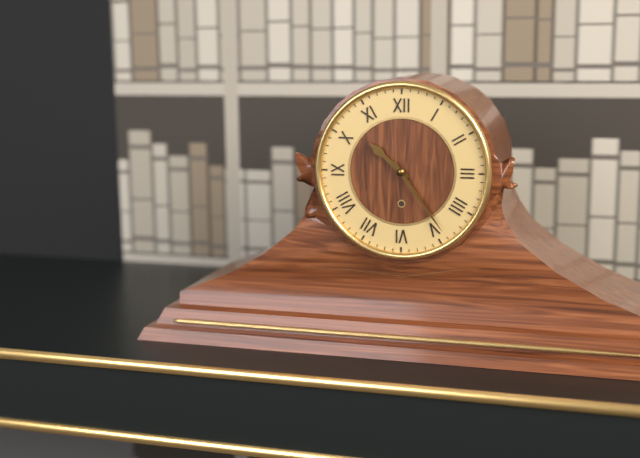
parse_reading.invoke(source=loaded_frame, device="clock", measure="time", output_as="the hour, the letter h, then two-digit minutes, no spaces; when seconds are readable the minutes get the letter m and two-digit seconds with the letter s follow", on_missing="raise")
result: 10h24
